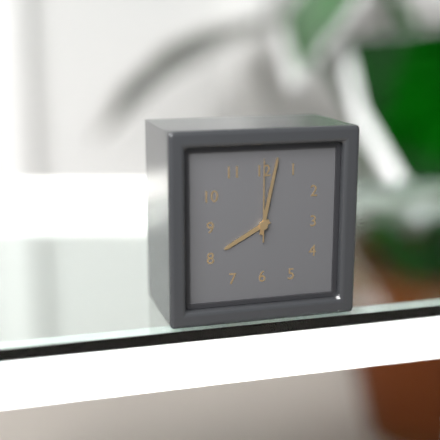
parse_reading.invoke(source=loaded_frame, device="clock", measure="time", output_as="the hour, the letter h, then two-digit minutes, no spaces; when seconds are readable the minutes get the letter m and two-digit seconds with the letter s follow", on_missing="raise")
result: 8h02m00s
